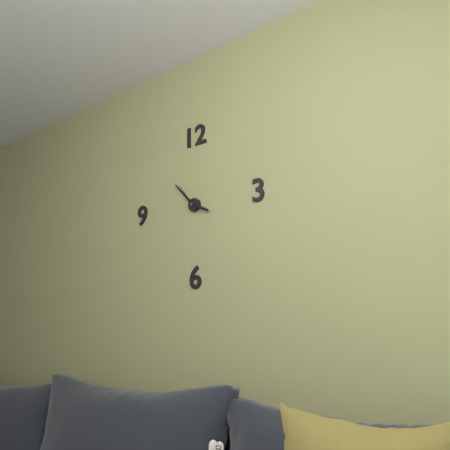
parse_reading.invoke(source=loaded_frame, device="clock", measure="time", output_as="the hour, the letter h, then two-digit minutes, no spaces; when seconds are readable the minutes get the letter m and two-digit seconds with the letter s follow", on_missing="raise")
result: 3h53
